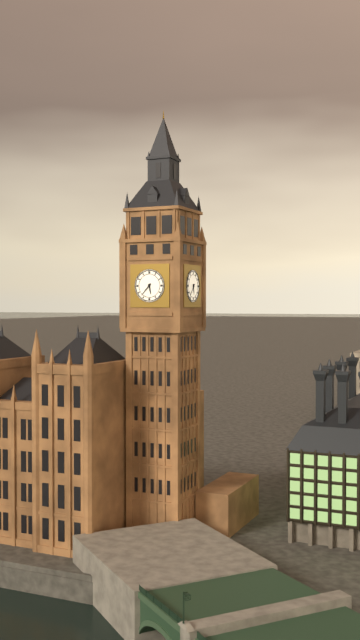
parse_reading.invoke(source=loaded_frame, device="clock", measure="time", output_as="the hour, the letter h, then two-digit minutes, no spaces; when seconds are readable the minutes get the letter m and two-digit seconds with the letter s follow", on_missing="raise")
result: 5h37
